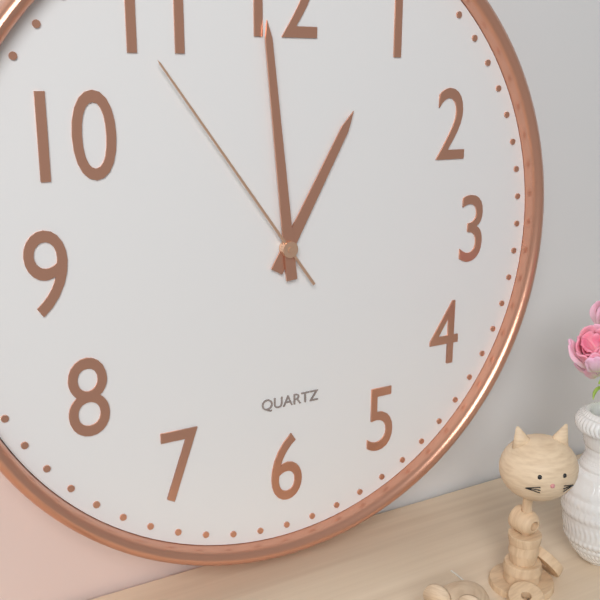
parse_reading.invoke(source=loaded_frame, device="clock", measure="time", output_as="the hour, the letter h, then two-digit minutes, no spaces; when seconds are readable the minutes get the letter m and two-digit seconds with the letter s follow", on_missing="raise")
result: 12h59m54s
